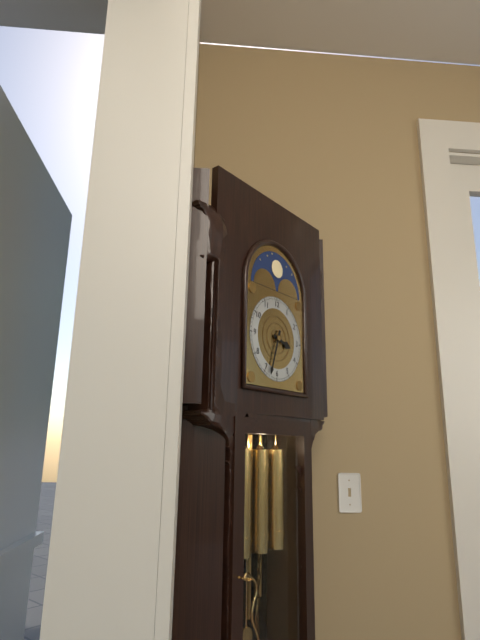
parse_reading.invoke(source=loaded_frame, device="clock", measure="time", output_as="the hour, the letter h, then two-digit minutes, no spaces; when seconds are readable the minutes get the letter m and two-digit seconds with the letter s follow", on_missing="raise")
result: 3h33
